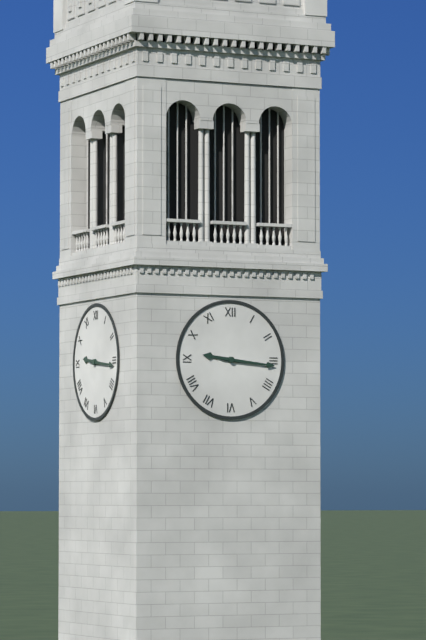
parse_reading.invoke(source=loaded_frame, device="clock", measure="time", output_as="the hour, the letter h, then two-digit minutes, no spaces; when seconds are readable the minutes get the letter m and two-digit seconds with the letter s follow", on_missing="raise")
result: 9h16
